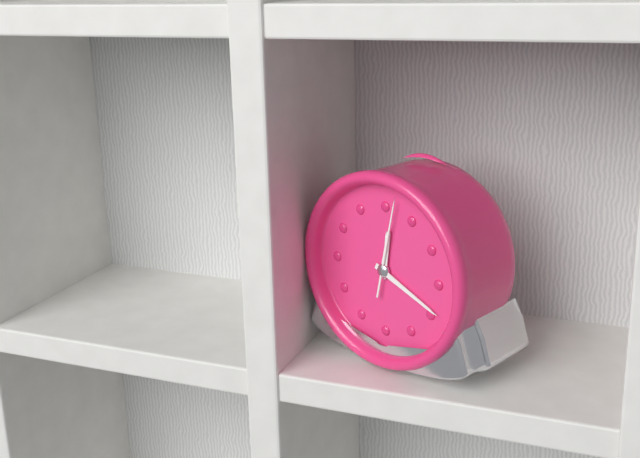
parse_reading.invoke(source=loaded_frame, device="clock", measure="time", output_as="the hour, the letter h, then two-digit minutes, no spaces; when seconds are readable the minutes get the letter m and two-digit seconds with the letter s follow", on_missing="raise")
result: 12h19m02s
